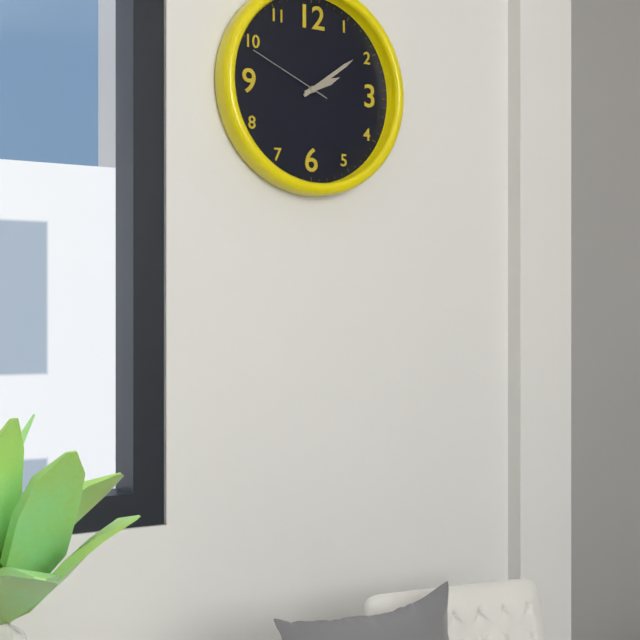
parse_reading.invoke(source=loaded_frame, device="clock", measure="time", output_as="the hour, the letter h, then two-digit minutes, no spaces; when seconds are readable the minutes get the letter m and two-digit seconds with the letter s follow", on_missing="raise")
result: 2h09m49s
